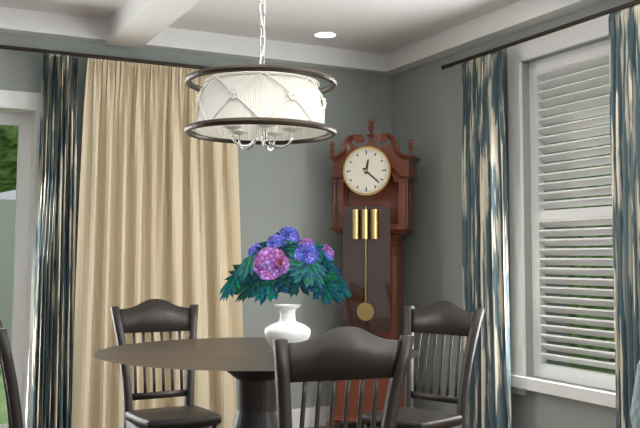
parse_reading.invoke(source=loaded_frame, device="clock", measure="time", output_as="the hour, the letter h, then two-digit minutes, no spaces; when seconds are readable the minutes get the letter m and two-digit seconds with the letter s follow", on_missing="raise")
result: 12h22
